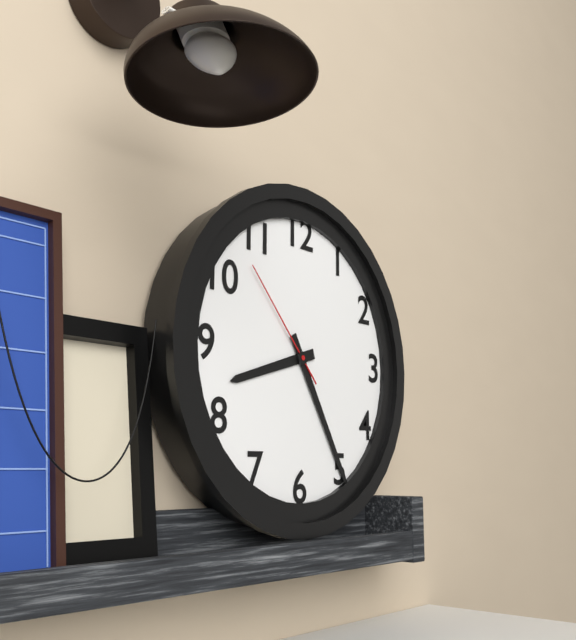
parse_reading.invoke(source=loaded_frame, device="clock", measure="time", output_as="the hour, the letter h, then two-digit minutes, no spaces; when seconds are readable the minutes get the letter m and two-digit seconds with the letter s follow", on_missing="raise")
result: 8h25m53s
